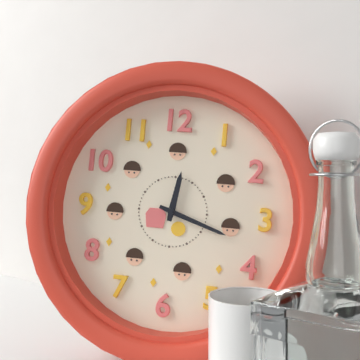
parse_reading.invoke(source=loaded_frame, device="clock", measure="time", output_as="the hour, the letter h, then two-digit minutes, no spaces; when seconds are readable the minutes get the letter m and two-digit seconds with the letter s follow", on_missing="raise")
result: 12h18
